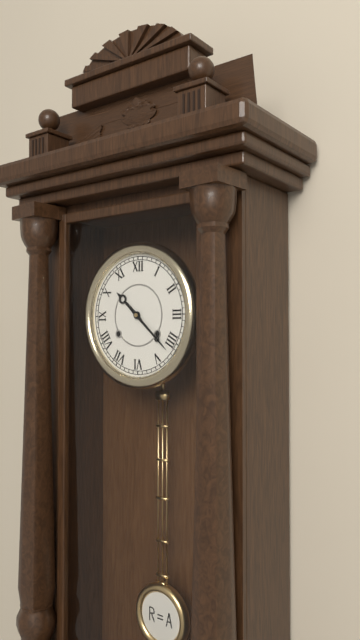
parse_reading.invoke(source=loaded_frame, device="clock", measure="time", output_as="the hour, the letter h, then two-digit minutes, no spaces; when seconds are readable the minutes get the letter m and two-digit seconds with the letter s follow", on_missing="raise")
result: 10h22
